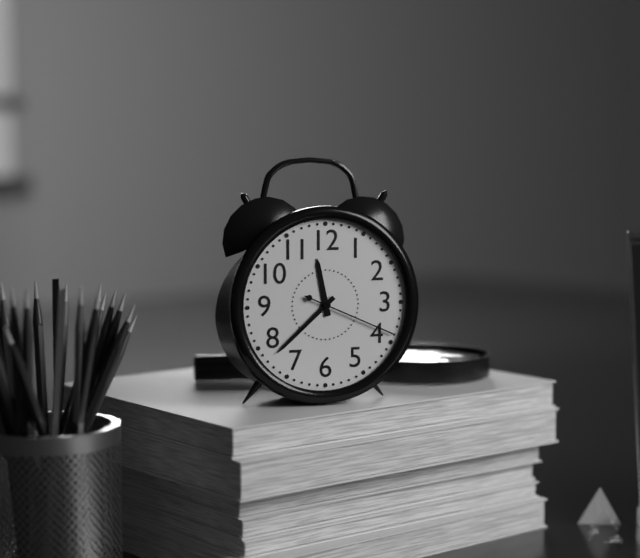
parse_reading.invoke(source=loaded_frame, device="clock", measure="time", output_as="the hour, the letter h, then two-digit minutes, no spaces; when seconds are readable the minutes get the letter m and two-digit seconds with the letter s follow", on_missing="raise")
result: 11h38m19s
